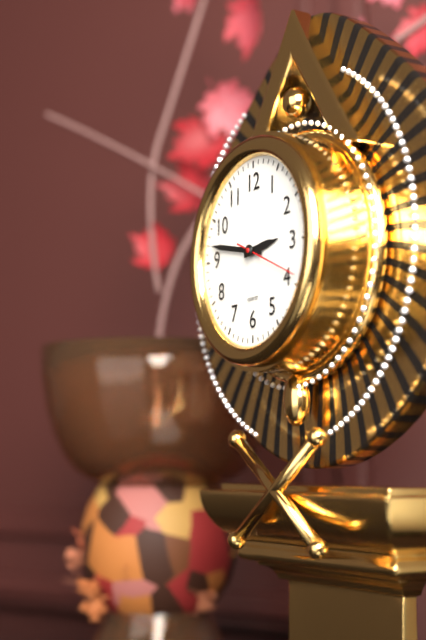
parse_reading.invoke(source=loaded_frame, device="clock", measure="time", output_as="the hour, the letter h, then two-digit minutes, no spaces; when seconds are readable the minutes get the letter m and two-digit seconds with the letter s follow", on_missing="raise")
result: 2h47m19s
